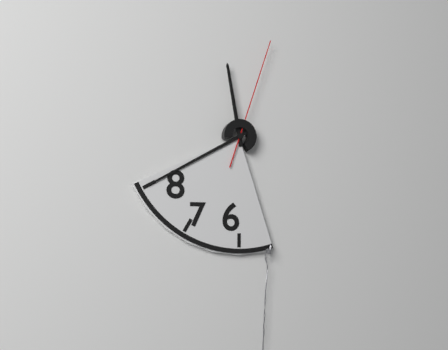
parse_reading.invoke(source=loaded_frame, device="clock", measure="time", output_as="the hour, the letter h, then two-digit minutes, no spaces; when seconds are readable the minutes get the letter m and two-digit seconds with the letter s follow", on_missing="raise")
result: 11h40m03s
